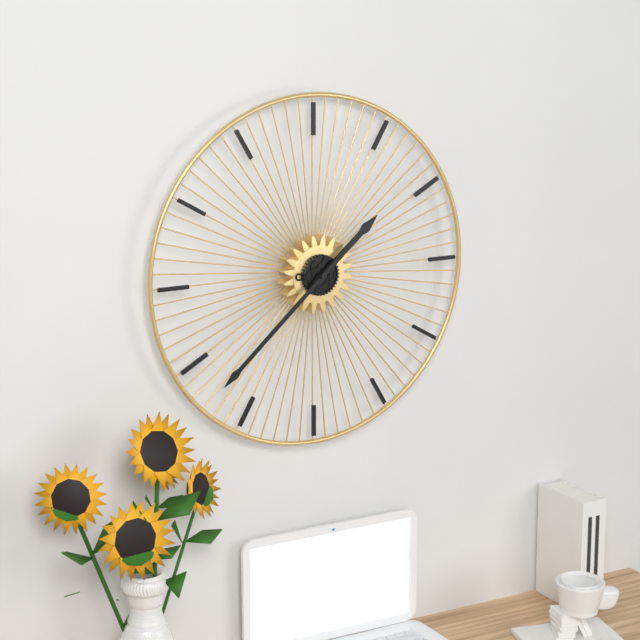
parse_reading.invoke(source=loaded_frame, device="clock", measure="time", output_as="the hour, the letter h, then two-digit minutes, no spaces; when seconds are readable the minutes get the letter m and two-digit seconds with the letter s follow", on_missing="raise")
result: 1h38
